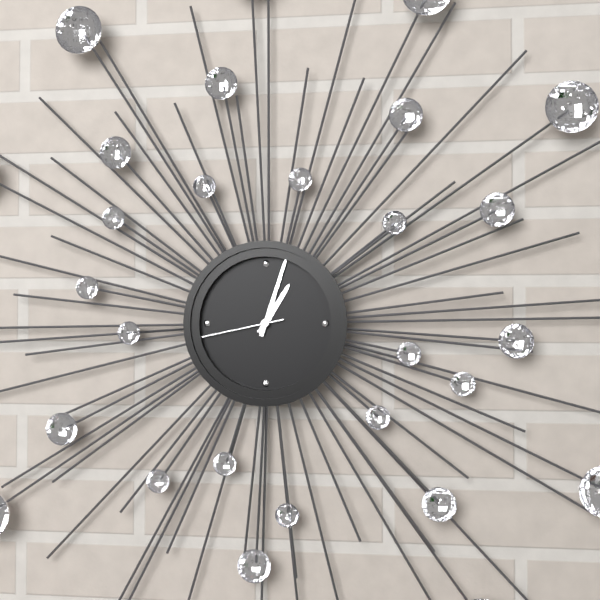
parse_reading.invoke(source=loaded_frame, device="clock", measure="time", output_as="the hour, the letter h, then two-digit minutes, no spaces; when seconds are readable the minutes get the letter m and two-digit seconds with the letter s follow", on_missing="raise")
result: 1h03m43s
